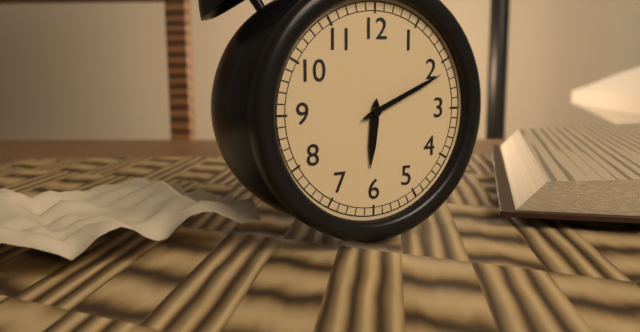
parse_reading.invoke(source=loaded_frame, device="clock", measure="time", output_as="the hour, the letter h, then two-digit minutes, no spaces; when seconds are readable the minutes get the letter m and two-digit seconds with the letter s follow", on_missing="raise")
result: 6h11
